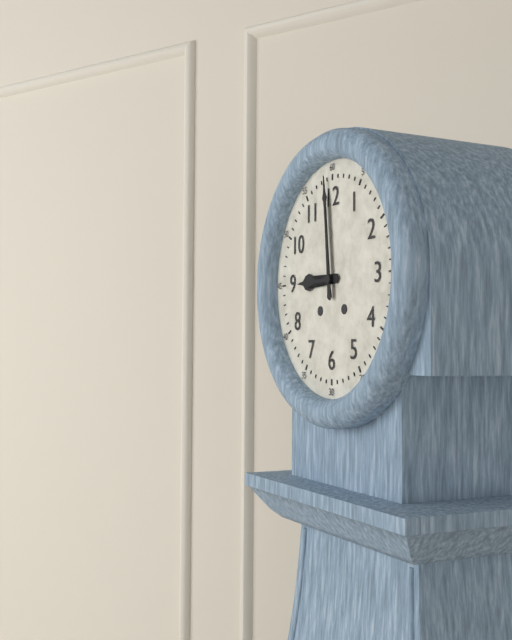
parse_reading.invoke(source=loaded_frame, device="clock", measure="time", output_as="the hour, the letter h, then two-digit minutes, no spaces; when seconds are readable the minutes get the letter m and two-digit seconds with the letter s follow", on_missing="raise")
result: 8h59
